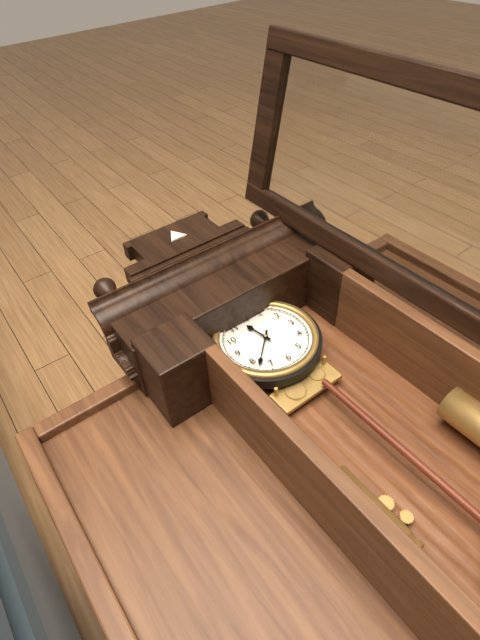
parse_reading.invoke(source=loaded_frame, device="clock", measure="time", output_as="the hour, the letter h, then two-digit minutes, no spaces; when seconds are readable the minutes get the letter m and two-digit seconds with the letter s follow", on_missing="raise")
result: 11h38
